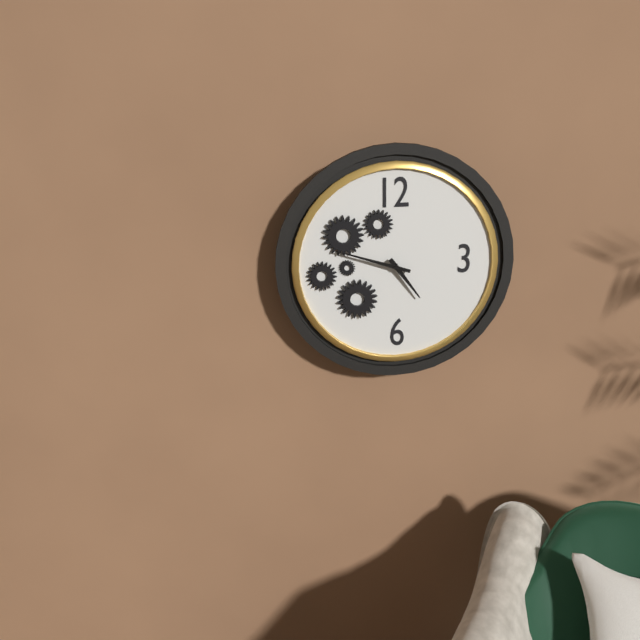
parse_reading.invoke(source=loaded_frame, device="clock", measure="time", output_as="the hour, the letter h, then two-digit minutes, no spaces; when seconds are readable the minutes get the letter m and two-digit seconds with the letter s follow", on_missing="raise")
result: 4h48
